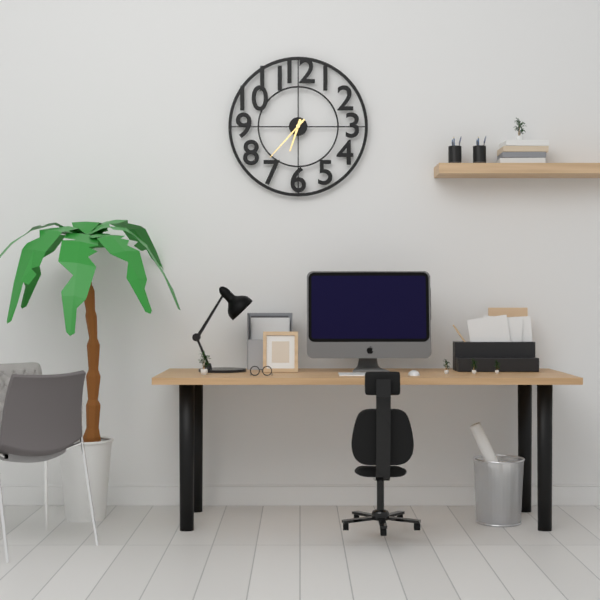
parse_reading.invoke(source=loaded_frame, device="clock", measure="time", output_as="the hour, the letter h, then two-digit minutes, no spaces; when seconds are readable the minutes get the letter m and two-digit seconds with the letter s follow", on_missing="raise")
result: 6h37
